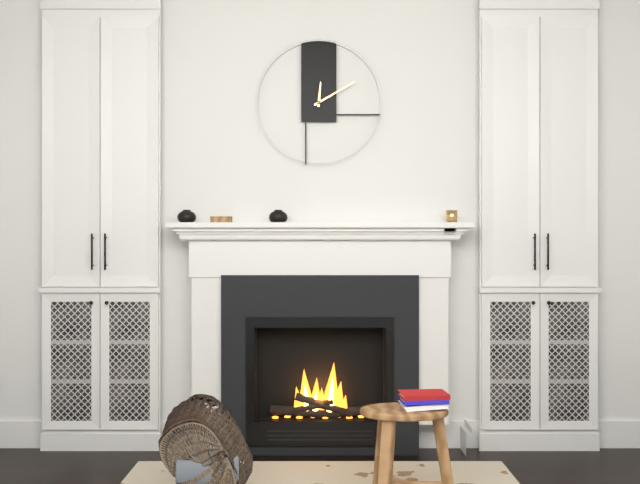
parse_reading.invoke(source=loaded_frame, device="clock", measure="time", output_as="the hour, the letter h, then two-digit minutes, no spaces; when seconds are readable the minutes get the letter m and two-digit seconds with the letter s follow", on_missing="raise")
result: 12h10
